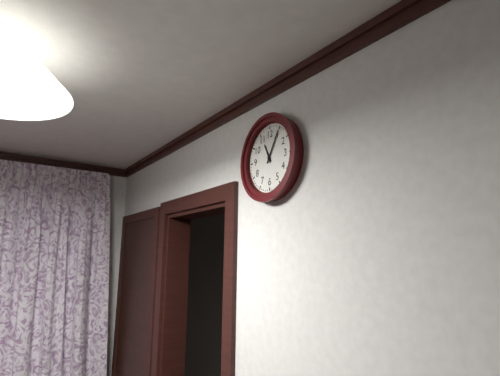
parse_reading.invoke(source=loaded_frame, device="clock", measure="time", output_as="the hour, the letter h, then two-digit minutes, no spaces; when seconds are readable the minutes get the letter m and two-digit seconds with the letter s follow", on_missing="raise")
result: 11h05
